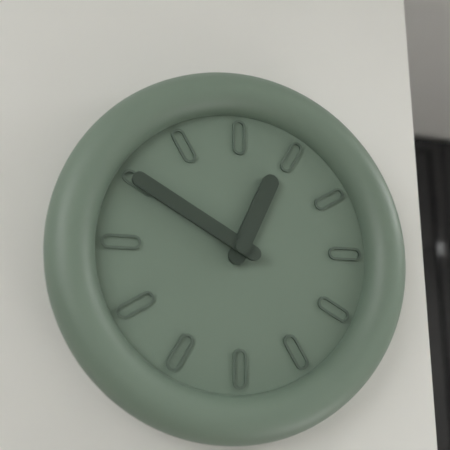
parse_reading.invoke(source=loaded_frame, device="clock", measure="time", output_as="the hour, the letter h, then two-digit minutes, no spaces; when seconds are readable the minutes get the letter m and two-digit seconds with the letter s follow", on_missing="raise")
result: 12h50
